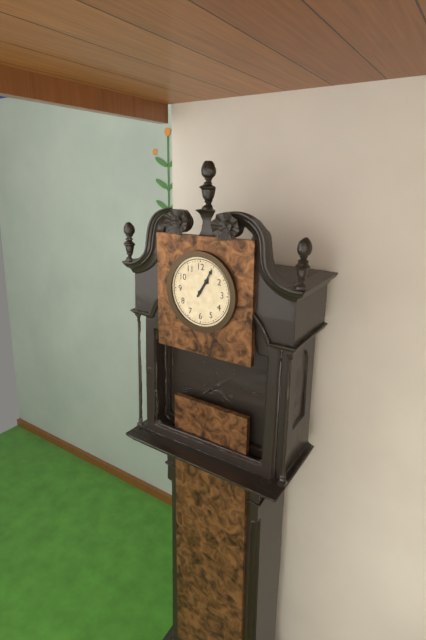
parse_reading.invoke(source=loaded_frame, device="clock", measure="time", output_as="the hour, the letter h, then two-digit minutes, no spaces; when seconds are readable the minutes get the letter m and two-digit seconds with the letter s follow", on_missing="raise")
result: 1h05
